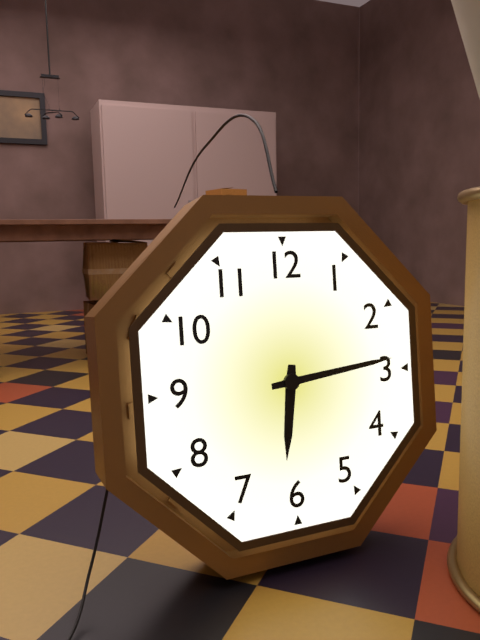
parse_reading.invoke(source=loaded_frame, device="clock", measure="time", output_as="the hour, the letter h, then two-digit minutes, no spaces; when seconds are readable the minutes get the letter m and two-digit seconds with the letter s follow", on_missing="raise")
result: 6h14
